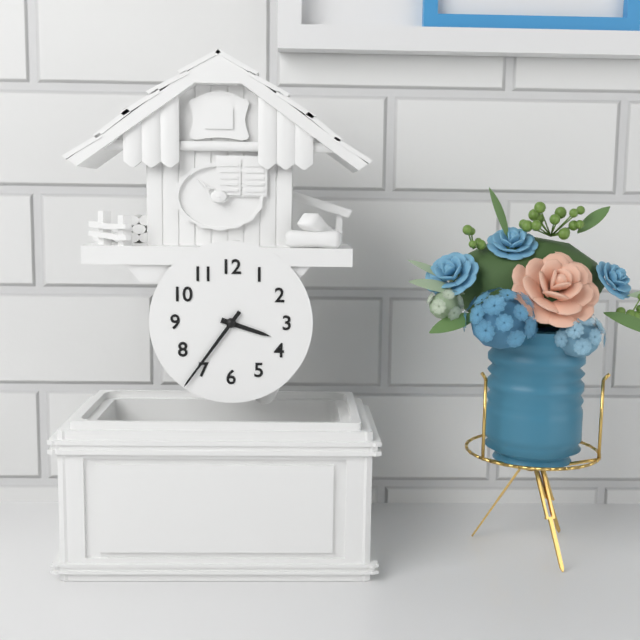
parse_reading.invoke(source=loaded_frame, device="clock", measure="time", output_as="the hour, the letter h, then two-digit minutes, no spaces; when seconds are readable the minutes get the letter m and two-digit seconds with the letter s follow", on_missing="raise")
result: 3h36
